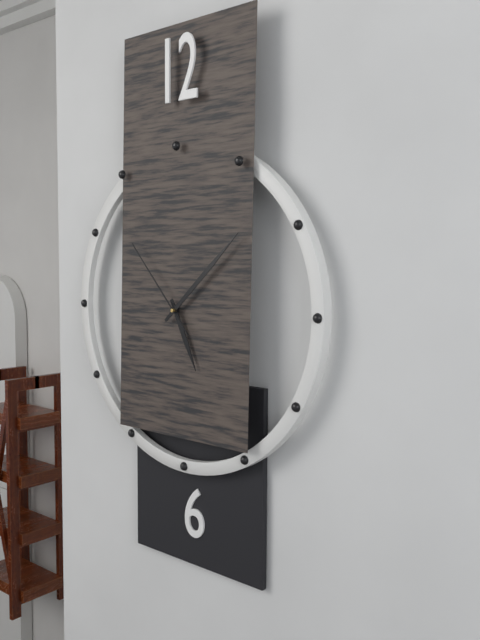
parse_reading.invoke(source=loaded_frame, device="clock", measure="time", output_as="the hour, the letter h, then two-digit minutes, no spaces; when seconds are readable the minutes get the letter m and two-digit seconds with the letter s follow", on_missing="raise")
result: 5h08m53s
